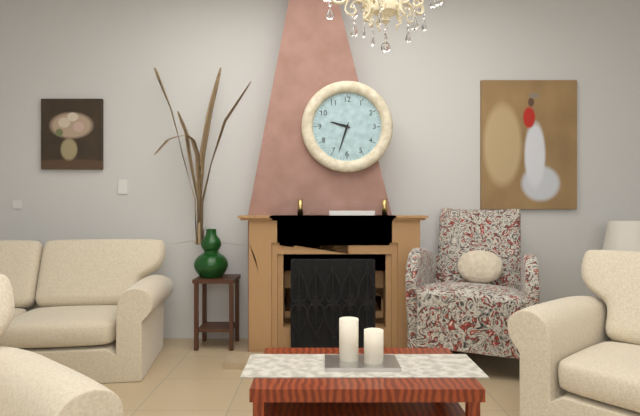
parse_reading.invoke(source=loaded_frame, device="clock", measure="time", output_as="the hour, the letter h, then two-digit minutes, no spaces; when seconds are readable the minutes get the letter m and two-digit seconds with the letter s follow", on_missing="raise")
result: 9h33
